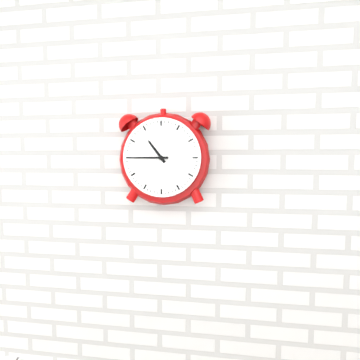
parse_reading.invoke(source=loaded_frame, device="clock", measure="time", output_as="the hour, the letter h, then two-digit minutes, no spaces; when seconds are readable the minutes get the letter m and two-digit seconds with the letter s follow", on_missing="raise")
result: 10h45
